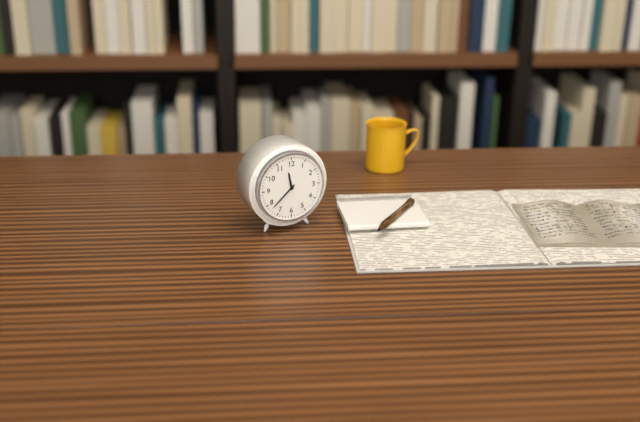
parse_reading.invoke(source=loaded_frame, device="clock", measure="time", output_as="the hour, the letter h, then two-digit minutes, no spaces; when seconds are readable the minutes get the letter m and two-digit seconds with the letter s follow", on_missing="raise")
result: 11h38
